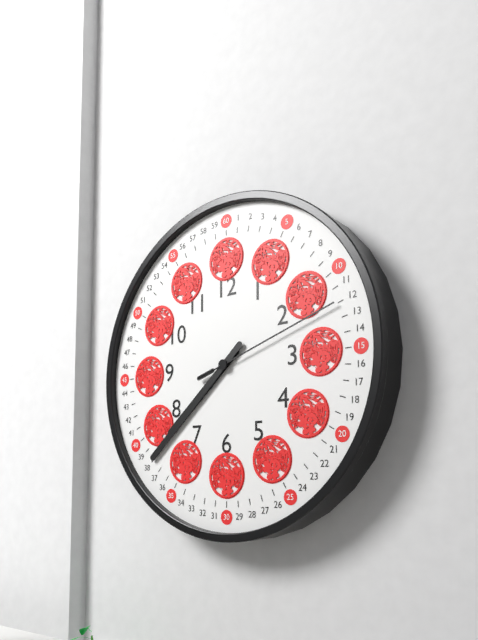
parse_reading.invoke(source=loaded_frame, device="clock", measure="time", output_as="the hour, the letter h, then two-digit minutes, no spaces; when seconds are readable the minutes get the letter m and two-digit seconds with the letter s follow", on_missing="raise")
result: 7h38m12s
